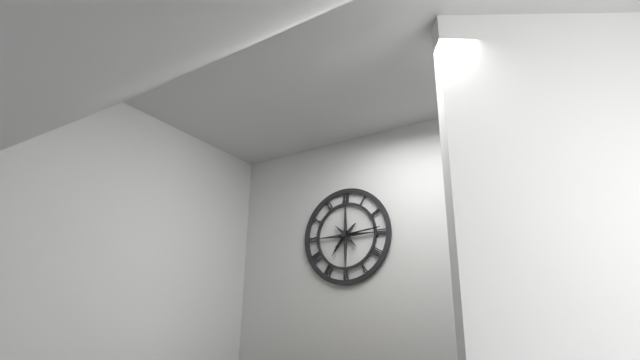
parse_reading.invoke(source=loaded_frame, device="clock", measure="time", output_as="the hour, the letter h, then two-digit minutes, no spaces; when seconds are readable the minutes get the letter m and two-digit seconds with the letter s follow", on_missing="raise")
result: 7h14
